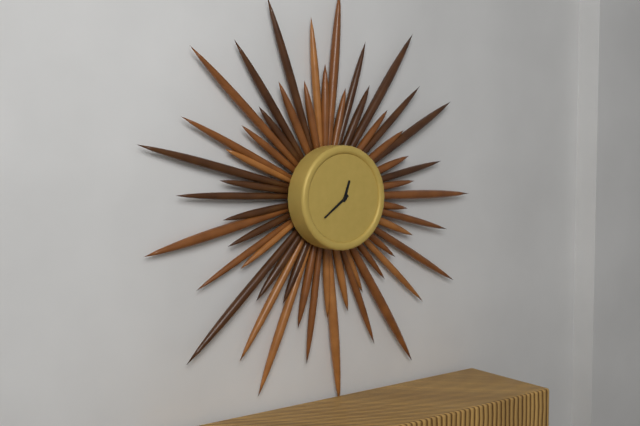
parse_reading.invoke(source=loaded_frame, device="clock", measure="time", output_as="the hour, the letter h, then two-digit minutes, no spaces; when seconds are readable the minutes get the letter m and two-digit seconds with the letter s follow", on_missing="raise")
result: 12h39
